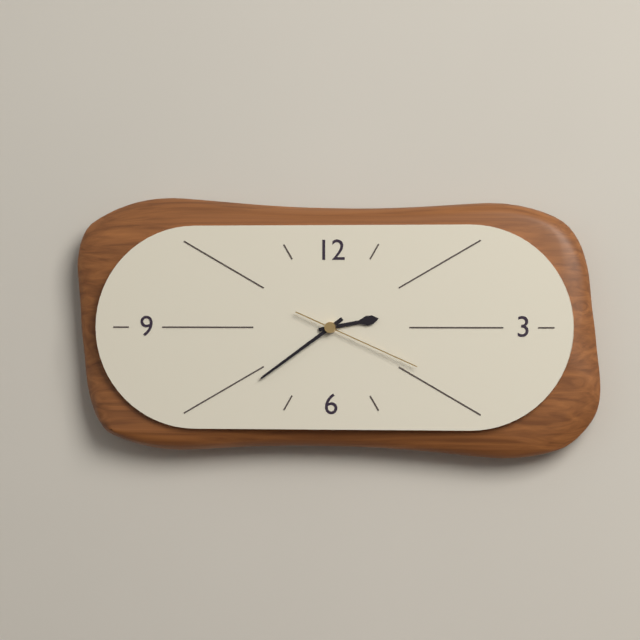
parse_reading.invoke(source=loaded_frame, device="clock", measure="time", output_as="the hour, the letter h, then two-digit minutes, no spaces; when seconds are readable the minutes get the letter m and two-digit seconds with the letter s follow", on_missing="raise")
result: 2h39m19s
